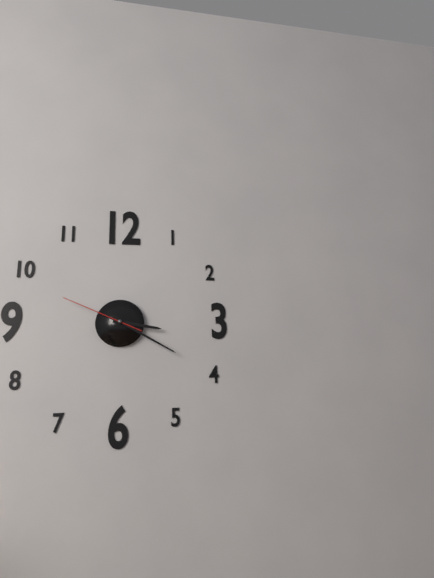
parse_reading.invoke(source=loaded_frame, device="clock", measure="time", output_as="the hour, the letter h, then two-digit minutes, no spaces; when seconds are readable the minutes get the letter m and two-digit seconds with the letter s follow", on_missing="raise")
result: 3h20m49s
